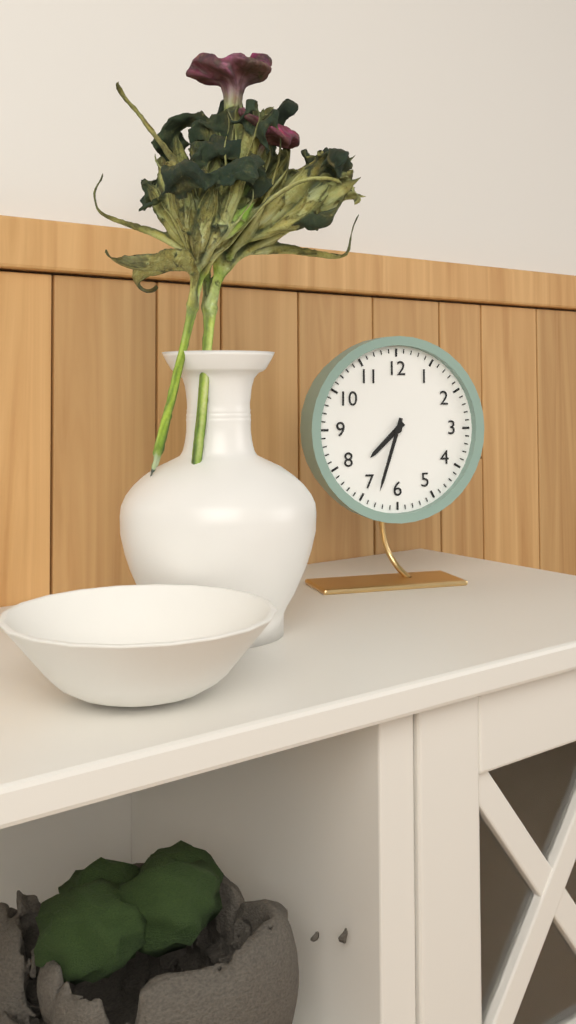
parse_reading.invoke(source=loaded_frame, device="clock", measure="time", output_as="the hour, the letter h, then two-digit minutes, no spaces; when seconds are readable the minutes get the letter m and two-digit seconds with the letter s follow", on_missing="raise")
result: 7h33
